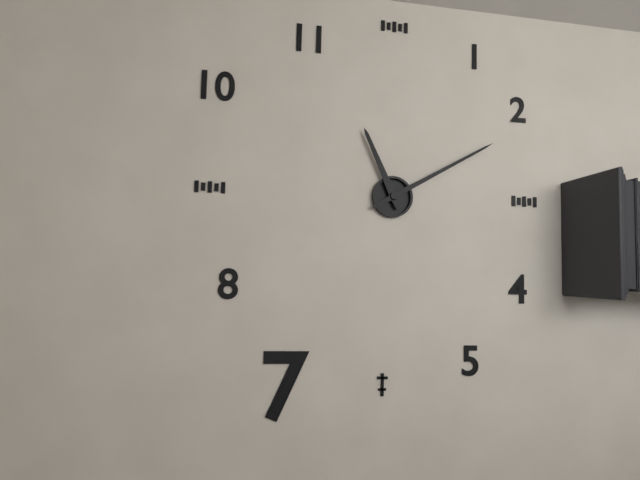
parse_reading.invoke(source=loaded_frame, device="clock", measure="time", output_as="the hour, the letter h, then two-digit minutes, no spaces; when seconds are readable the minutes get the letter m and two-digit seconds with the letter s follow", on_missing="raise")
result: 11h10
